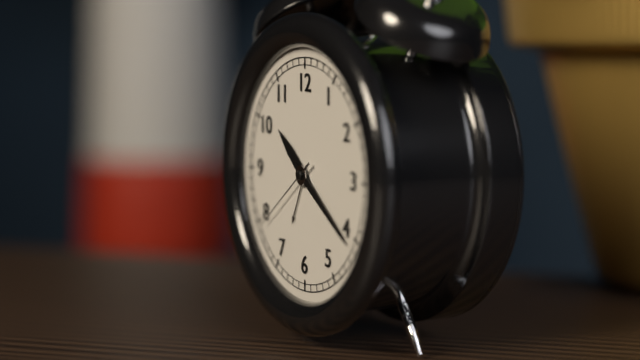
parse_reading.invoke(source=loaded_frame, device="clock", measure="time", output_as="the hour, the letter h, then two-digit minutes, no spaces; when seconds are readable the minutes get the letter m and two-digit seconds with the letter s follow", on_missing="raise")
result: 10h21m39s
